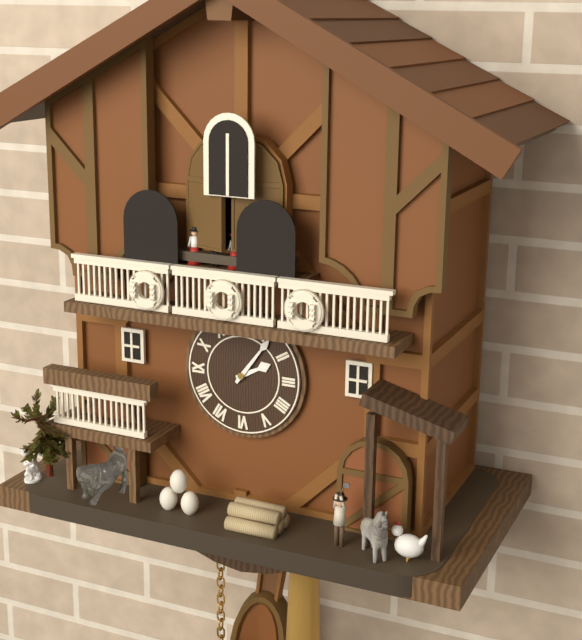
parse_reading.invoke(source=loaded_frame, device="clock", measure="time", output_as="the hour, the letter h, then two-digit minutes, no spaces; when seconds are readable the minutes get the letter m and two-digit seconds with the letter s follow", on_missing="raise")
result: 2h06
